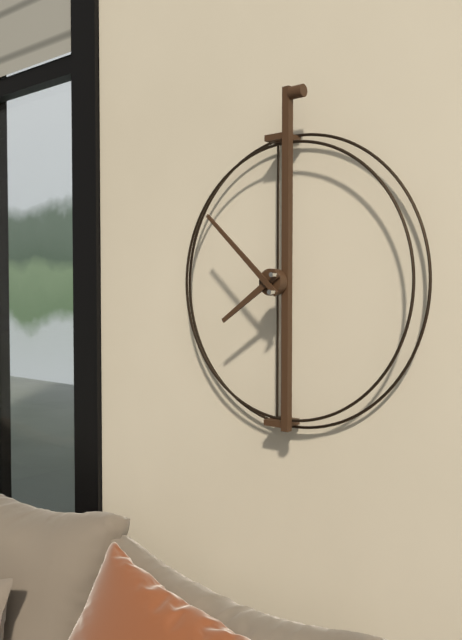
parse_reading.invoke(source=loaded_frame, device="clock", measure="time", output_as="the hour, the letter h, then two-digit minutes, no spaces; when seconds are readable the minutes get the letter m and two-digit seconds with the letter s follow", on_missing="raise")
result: 7h52
